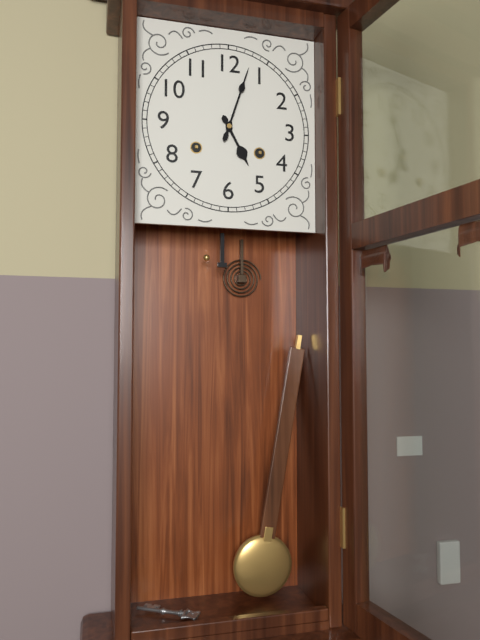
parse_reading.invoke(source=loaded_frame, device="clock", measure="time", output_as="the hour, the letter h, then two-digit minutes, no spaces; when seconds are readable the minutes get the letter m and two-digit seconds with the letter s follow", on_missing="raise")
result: 5h03
